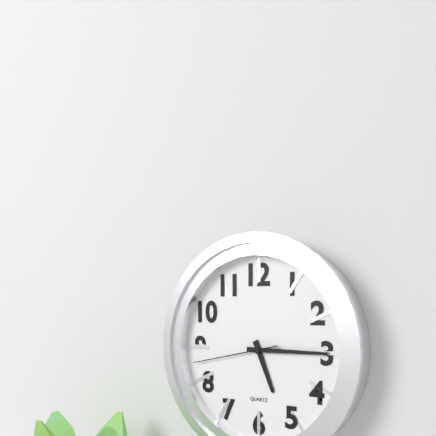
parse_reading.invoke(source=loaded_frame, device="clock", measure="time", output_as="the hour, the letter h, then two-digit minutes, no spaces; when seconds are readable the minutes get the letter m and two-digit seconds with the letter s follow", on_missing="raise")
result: 5h15m43s
